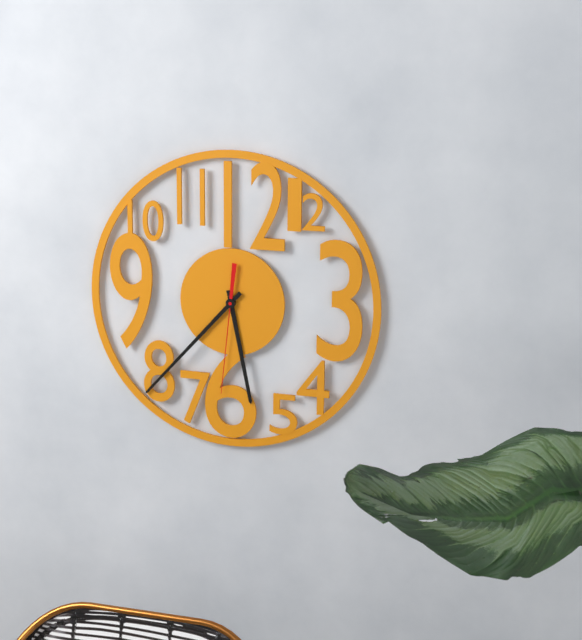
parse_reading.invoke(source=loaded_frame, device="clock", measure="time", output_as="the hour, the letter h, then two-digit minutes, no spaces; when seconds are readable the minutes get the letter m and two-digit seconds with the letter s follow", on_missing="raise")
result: 5h37m31s
